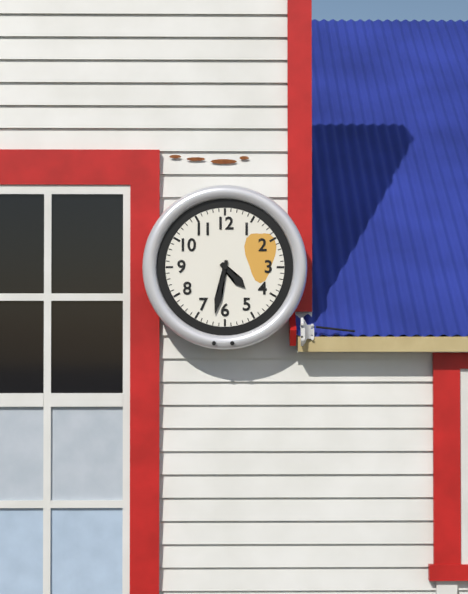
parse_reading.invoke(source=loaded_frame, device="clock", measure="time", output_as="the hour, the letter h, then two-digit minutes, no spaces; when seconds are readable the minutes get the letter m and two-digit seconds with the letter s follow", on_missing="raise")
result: 4h32
